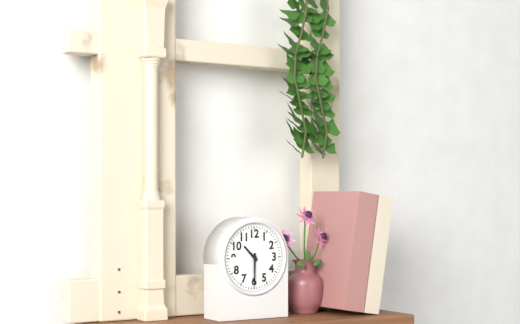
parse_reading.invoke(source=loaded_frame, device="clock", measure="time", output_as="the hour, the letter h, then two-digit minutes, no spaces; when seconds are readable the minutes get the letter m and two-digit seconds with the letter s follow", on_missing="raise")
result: 10h30
